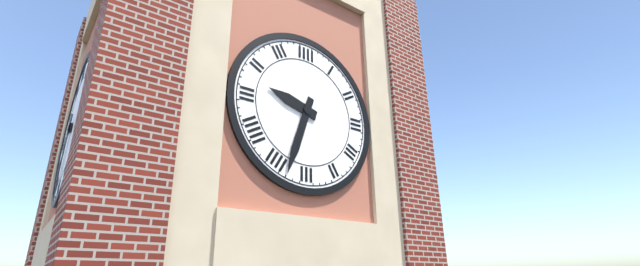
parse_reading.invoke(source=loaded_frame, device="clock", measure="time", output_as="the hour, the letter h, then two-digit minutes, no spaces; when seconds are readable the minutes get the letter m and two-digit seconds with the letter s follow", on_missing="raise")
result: 9h33
